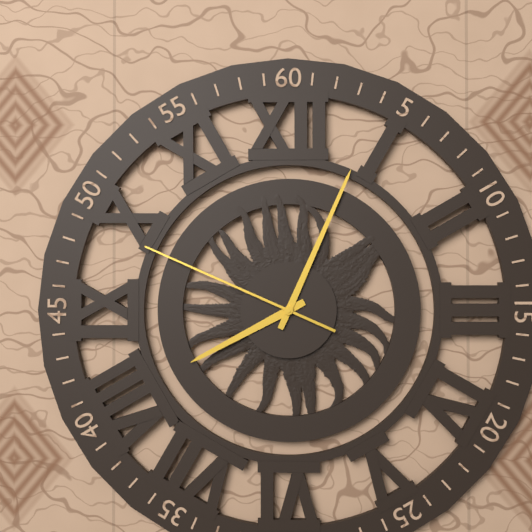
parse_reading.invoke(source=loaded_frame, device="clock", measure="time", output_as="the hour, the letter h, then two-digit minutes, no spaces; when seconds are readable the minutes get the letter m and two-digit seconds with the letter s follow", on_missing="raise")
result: 8h04m49s
